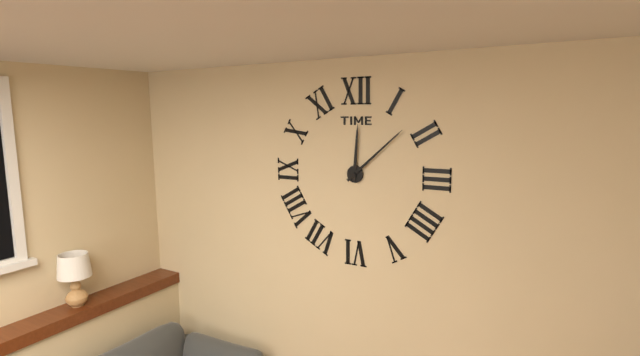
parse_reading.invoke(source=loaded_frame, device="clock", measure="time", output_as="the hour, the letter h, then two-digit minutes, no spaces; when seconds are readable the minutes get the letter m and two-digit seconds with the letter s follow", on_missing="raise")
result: 12h08
